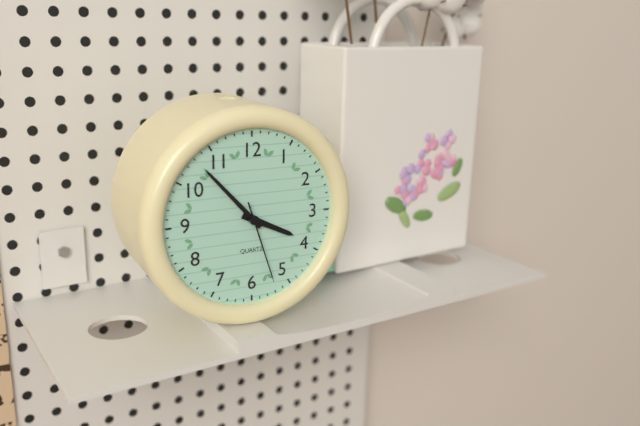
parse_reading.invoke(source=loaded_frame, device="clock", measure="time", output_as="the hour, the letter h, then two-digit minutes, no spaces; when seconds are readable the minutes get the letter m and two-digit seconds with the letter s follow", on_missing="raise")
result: 3h53m27s
